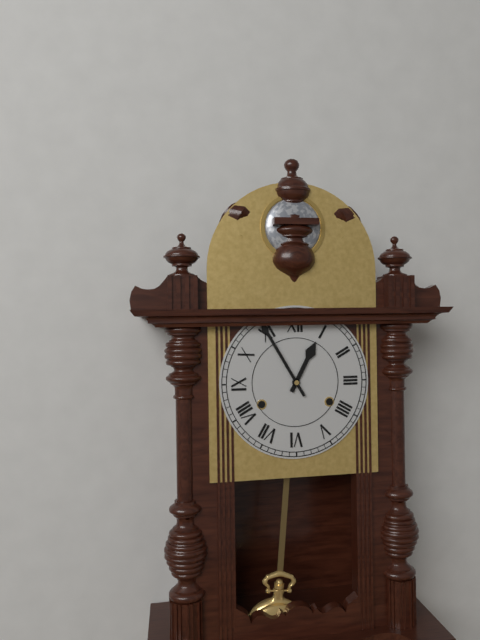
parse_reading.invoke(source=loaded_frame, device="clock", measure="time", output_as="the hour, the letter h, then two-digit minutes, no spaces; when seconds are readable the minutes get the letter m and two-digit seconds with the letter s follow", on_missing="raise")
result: 12h55
